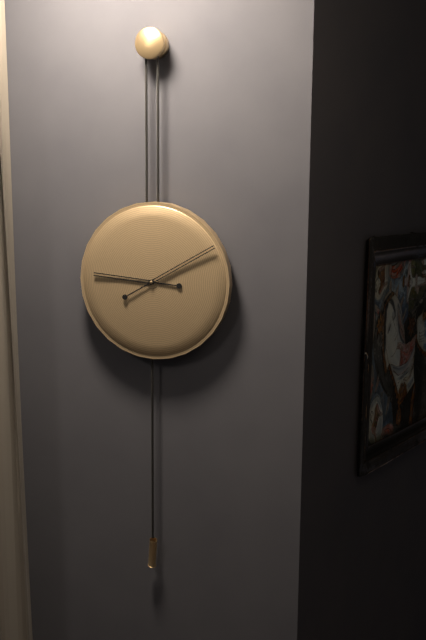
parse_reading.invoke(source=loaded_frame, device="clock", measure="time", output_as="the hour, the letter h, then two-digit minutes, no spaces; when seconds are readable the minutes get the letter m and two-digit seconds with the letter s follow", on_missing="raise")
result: 9h10
